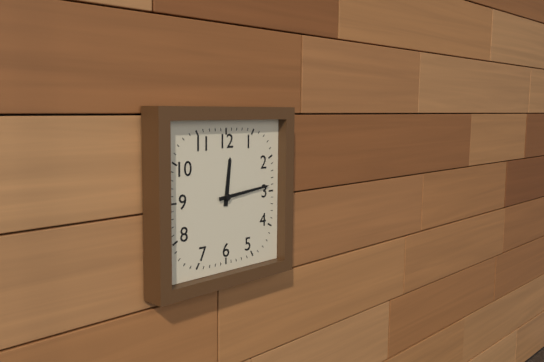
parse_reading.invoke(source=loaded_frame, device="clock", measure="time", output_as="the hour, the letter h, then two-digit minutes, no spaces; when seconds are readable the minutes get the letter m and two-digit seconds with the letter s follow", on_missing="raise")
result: 12h14
